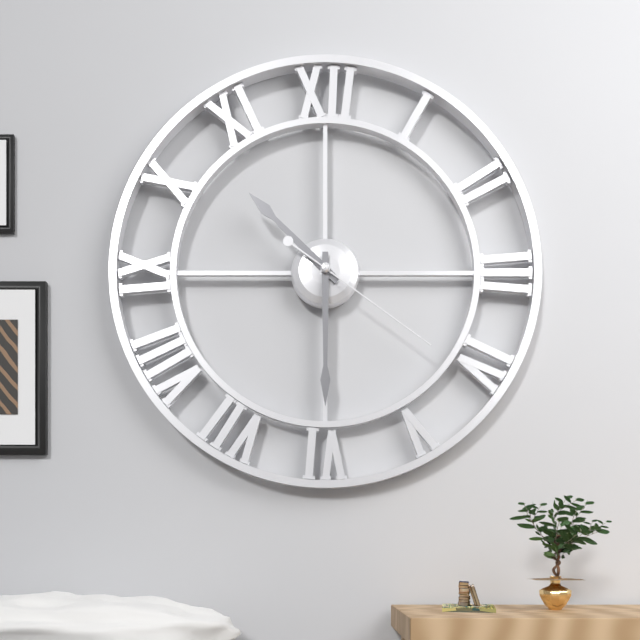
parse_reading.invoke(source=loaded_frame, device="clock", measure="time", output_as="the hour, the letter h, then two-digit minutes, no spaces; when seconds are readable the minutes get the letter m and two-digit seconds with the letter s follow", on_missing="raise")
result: 10h30m21s
